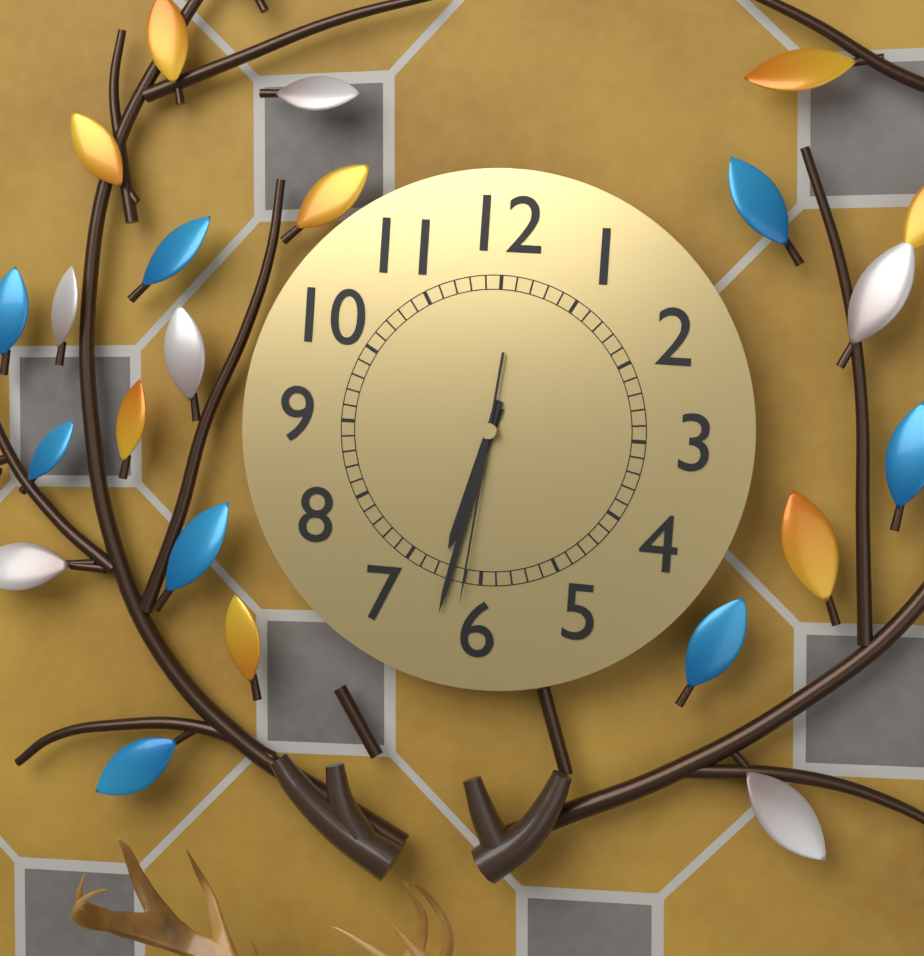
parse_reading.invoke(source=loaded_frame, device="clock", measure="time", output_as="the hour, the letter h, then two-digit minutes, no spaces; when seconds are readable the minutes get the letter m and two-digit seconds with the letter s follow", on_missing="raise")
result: 6h32m31s
